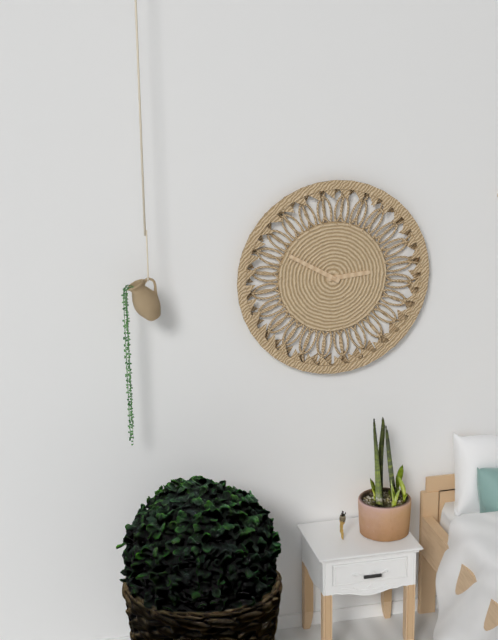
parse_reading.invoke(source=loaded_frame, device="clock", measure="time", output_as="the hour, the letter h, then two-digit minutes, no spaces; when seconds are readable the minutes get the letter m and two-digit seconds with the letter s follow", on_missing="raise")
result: 2h50
